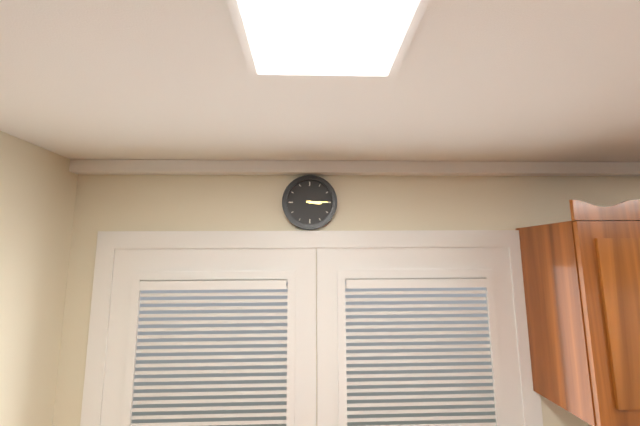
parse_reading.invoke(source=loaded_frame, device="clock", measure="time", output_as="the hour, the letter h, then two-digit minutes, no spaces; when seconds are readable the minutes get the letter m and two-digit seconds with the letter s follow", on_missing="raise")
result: 3h15
